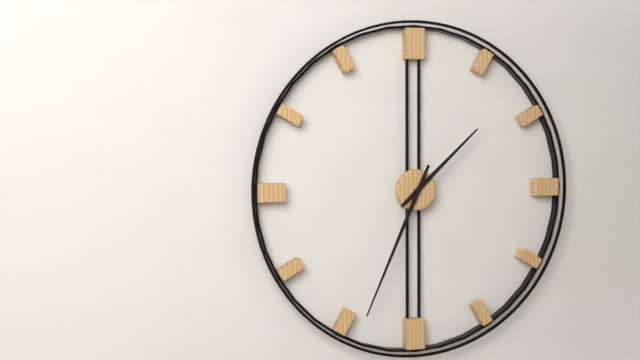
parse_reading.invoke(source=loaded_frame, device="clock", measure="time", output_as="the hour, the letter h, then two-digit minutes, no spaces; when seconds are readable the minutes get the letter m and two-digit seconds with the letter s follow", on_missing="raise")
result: 1h34
